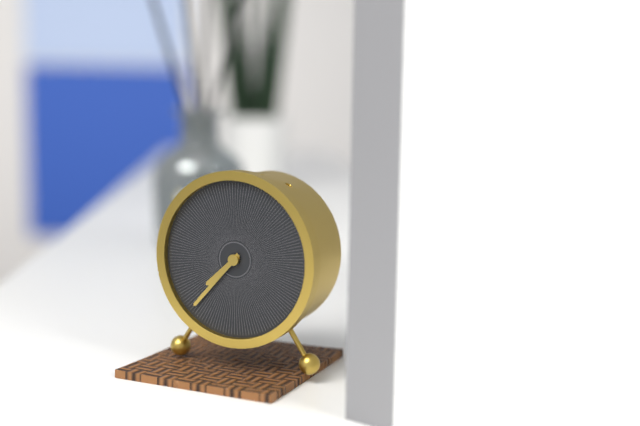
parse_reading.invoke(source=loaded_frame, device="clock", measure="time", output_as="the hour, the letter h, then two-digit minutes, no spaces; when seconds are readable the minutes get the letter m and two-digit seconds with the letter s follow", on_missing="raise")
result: 7h37
